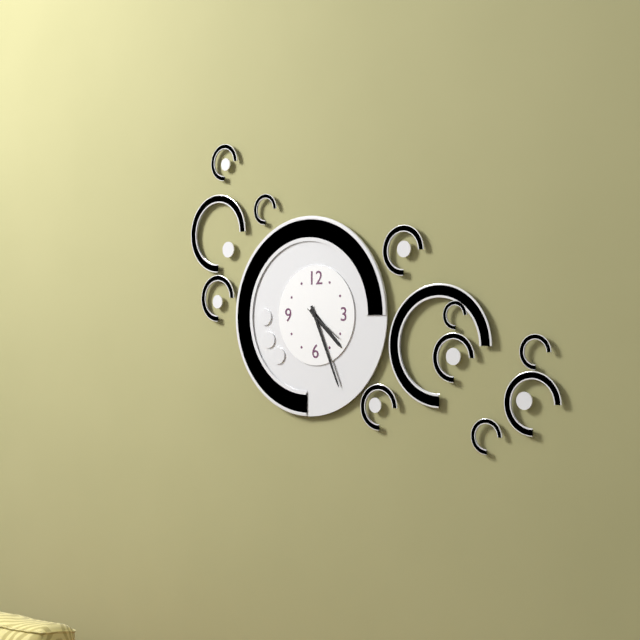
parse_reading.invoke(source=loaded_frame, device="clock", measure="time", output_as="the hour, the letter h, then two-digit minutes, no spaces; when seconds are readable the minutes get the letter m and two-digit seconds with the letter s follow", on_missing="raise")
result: 4h26
